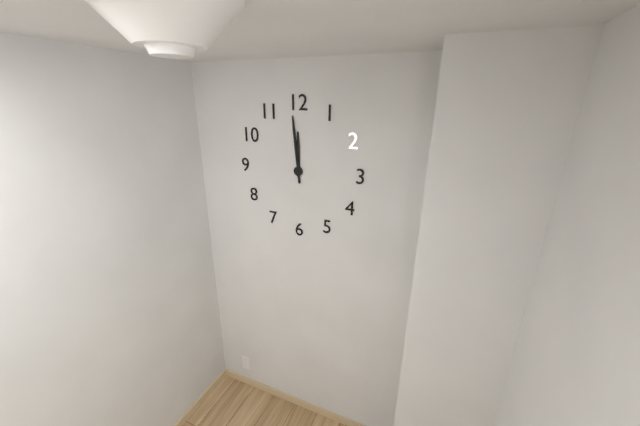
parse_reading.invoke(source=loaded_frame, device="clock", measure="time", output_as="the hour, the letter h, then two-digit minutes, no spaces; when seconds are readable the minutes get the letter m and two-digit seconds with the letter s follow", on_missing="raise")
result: 11h59
